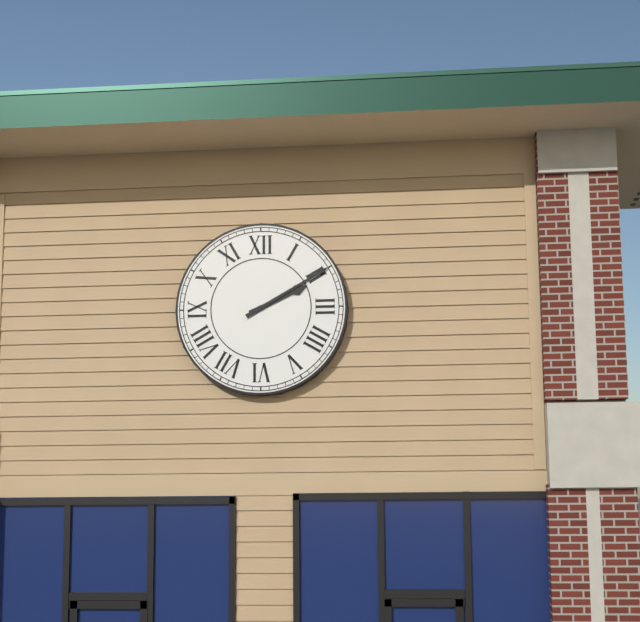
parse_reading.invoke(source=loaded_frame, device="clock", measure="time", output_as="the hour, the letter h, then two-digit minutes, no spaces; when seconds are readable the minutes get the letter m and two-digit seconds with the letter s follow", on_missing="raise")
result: 2h10
